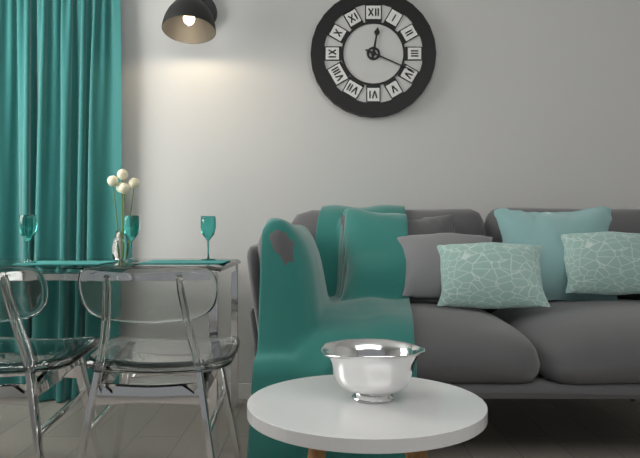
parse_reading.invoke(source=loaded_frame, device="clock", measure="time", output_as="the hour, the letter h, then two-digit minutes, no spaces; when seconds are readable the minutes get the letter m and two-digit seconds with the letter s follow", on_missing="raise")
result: 12h19
